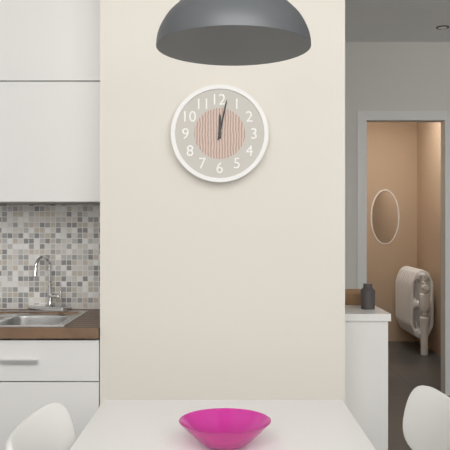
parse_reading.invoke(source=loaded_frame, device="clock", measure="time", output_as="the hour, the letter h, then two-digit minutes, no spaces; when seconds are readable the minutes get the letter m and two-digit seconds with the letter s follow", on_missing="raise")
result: 12h02
